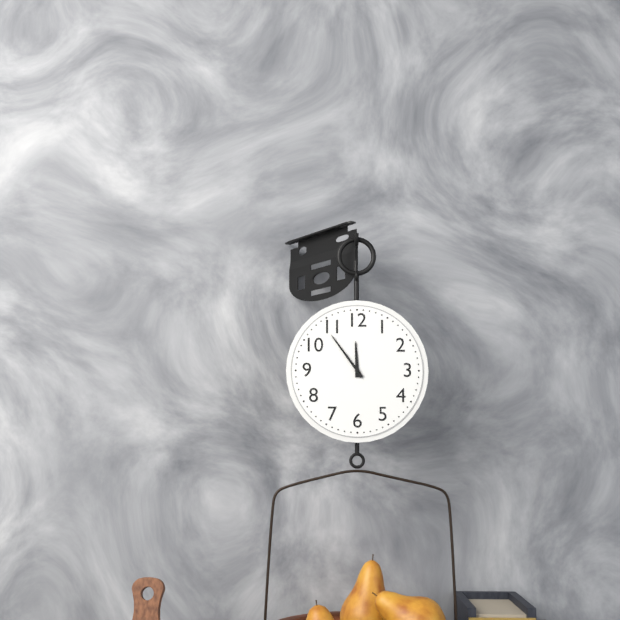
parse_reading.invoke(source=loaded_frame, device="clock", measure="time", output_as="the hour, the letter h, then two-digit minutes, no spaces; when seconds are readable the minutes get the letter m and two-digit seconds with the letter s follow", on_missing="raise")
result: 11h54
